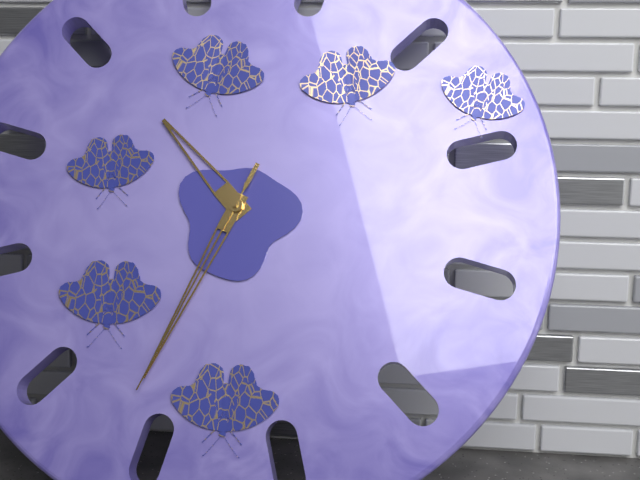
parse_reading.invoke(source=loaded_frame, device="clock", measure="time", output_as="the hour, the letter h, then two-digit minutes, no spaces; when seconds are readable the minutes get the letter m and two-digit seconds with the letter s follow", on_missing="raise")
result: 10h34m34s
